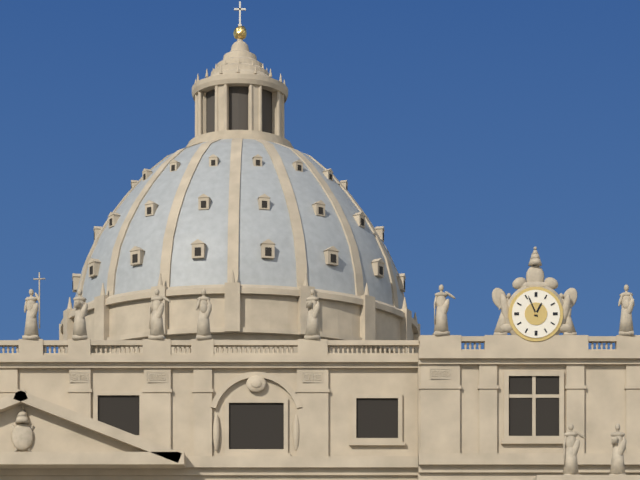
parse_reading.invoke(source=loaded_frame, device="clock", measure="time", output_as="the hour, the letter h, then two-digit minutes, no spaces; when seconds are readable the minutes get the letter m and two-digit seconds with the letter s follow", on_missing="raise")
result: 12h56
